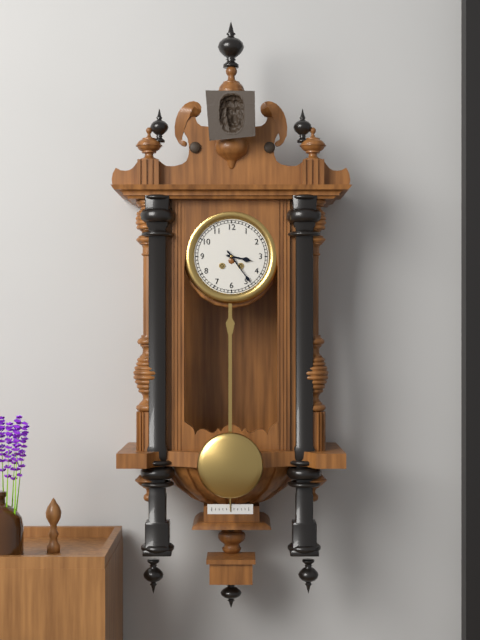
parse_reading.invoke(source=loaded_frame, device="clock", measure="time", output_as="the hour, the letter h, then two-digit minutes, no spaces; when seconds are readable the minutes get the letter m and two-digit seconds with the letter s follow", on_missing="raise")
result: 3h24
